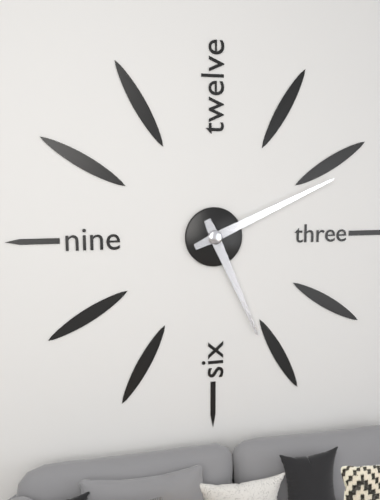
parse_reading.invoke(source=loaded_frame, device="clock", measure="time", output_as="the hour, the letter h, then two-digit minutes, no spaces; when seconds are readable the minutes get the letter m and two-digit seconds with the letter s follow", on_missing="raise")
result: 5h11
